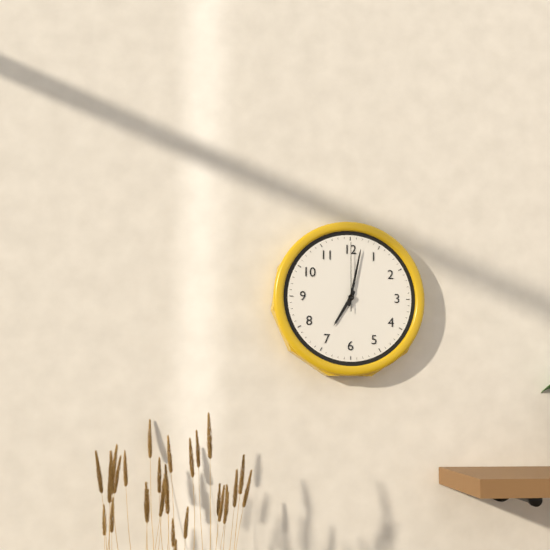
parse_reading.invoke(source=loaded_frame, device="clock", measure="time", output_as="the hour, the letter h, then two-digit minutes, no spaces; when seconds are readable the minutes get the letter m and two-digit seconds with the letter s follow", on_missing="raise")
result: 7h02m00s
